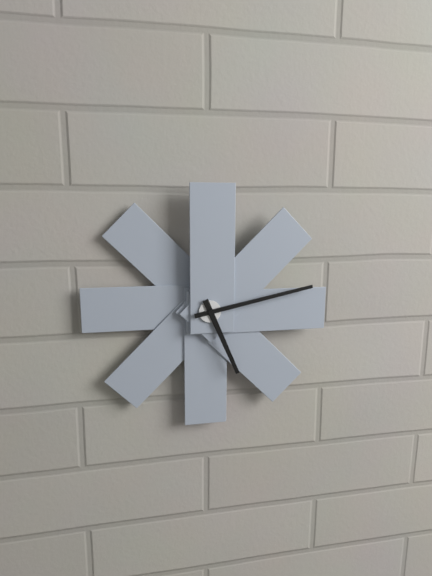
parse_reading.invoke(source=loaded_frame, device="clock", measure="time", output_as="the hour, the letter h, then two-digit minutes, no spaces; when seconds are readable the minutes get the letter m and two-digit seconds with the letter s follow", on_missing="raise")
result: 5h13
